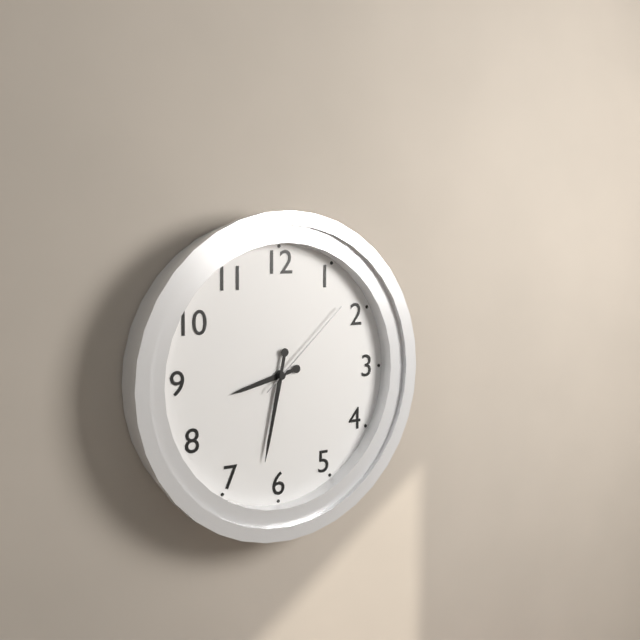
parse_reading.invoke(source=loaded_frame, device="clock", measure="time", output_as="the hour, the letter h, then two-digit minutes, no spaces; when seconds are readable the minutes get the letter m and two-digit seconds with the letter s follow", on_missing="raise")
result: 8h32m08s
